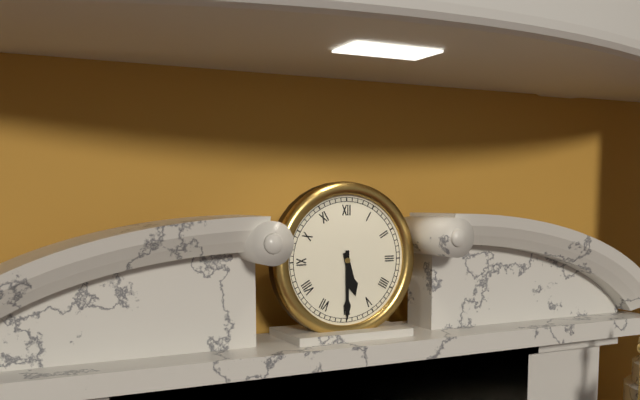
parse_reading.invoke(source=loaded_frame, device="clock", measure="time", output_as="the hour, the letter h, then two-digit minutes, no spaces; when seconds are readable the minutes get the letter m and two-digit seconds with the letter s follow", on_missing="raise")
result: 5h30
